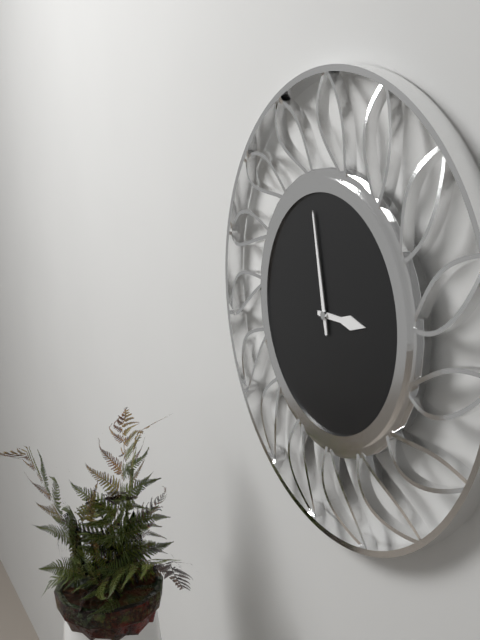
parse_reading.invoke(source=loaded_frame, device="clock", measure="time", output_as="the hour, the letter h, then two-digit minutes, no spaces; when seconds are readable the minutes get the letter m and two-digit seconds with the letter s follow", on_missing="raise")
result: 2h58
